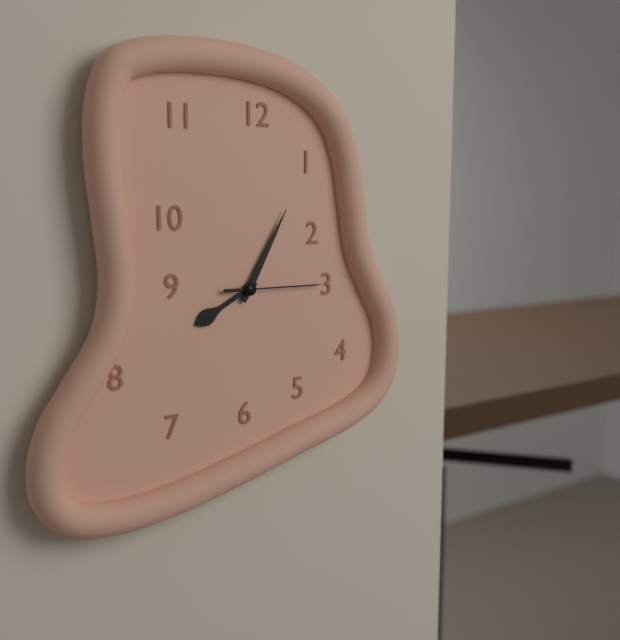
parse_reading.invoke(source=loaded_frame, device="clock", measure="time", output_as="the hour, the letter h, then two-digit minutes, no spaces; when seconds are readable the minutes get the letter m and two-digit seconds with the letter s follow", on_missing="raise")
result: 8h05m15s
